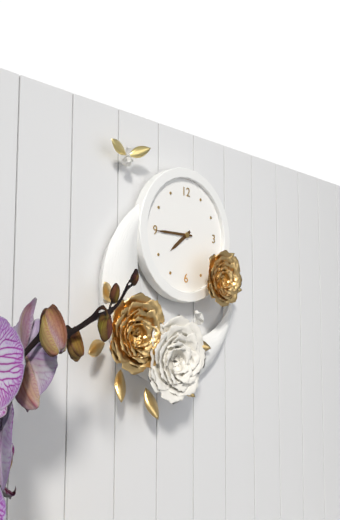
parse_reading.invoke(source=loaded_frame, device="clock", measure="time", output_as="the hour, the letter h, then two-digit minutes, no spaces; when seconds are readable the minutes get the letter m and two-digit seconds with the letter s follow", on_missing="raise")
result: 7h45
